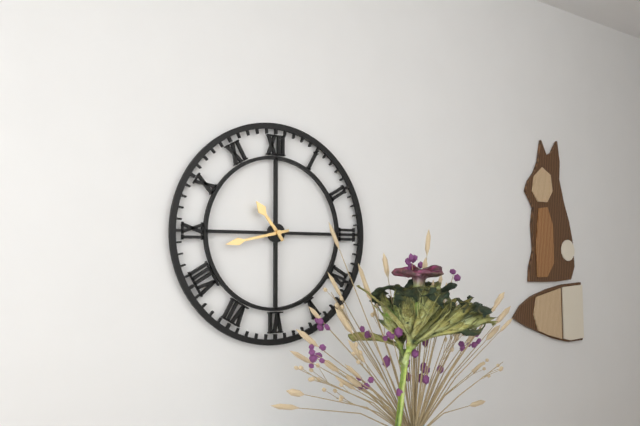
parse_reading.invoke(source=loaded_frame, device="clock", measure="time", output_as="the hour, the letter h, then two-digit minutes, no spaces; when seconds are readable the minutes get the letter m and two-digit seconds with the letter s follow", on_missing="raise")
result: 10h43
